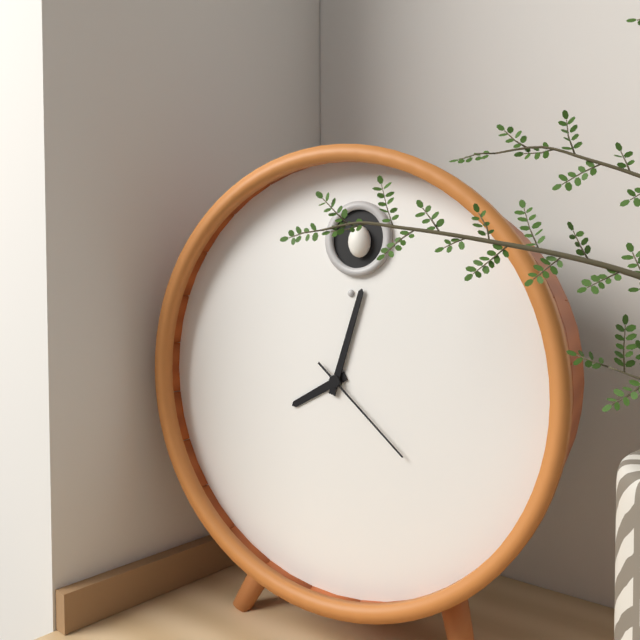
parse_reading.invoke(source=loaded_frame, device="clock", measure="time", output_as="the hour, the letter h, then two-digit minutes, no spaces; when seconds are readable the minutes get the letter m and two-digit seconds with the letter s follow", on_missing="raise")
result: 8h03m22s
